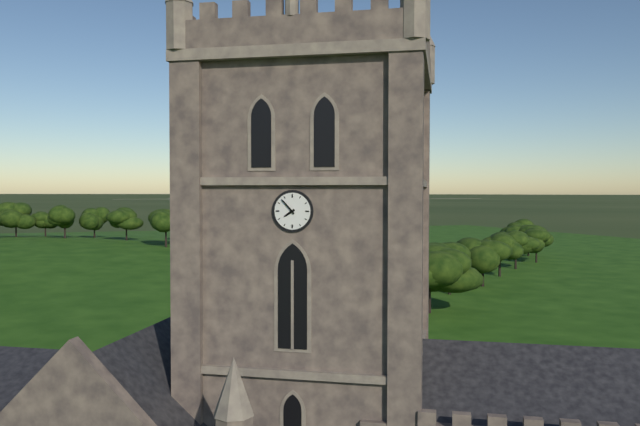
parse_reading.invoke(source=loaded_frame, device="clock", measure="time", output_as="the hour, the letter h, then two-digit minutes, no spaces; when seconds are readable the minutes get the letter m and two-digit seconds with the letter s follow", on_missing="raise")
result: 7h53
